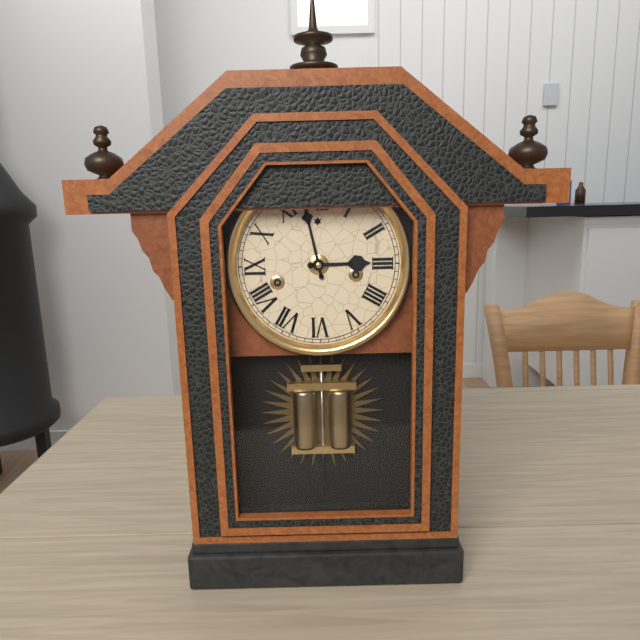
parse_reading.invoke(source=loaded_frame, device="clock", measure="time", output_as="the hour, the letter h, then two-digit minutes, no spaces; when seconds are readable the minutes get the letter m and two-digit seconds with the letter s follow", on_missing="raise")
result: 2h58
